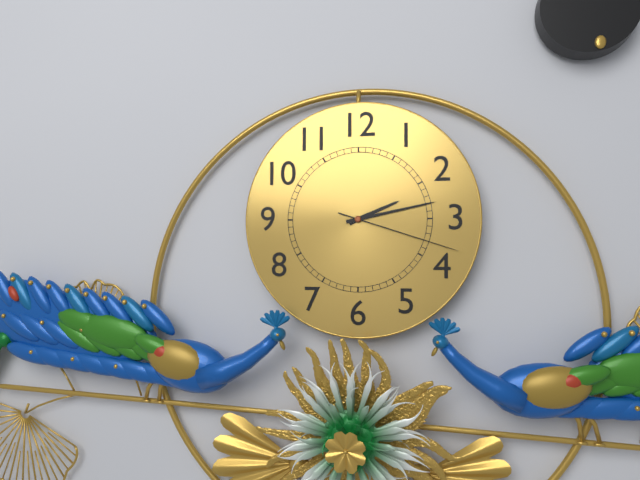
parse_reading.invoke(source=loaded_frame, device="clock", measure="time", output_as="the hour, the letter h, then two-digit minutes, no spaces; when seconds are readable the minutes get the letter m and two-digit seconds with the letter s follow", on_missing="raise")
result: 2h13m18s
